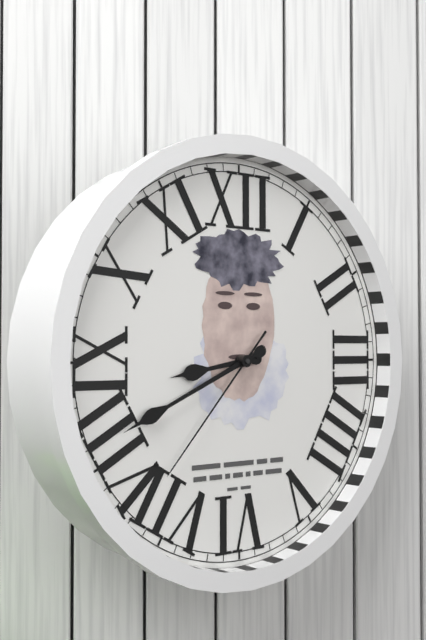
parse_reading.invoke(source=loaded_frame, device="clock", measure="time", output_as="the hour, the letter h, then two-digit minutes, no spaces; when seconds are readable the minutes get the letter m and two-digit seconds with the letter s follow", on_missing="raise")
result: 8h41m37s
